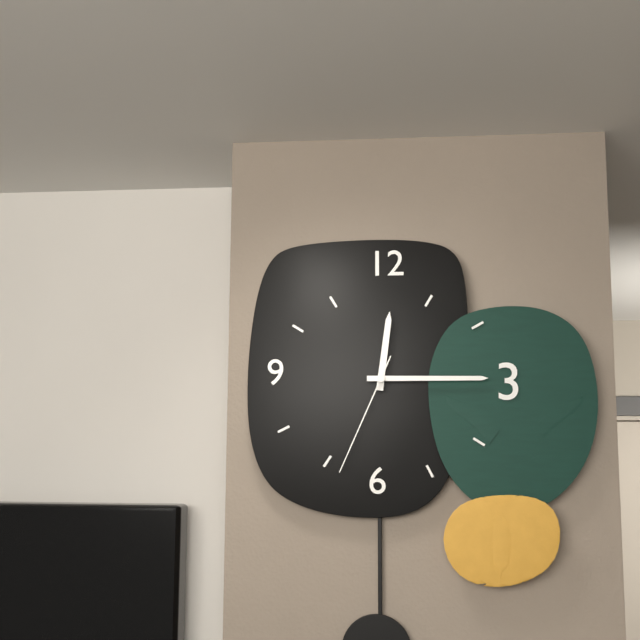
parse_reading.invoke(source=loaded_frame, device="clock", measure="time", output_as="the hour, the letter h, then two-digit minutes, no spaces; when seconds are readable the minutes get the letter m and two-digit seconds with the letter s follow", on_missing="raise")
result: 12h15m34s
